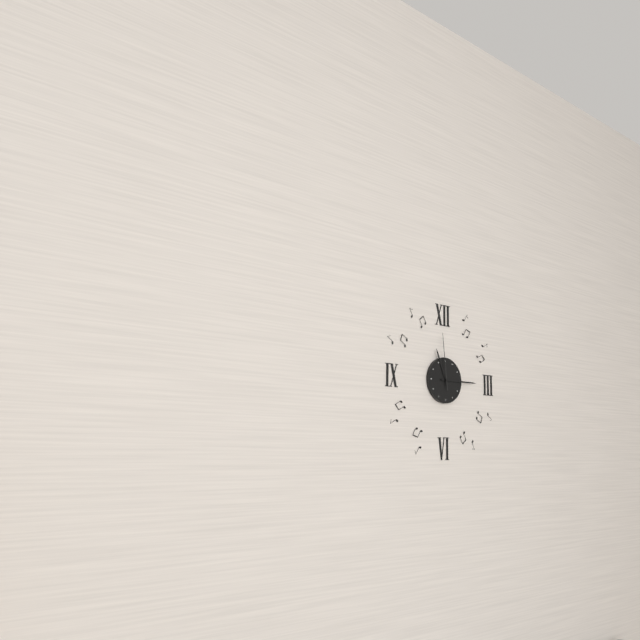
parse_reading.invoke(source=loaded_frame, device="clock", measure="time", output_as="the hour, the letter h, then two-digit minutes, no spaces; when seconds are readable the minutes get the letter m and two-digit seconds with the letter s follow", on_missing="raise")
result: 11h15m59s
